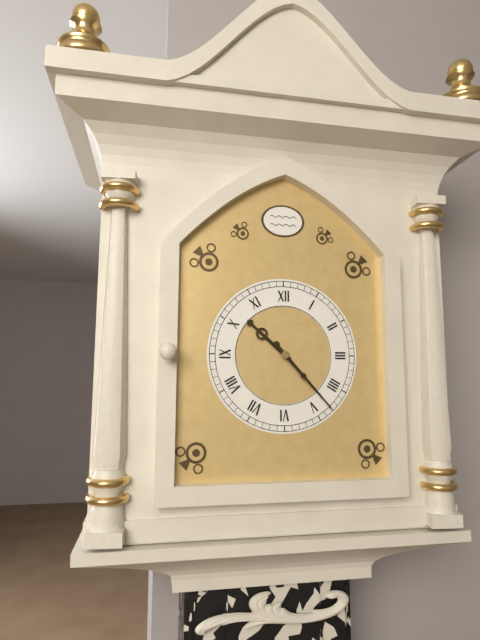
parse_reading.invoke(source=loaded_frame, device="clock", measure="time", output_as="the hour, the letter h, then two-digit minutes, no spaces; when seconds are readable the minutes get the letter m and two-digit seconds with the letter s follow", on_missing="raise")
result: 10h23
